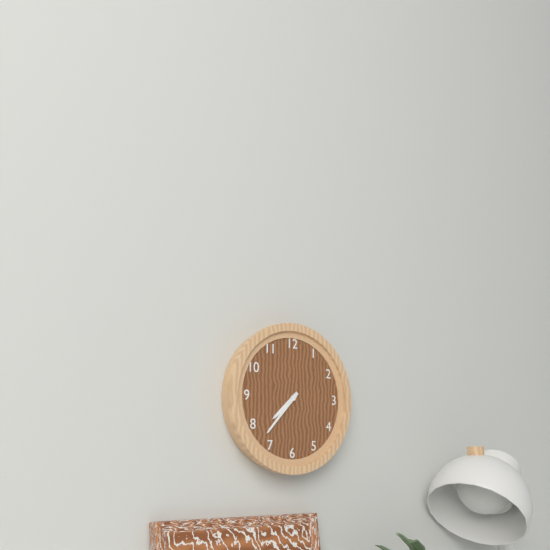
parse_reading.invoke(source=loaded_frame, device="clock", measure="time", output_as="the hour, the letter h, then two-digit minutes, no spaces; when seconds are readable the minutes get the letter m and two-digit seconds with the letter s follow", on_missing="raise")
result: 7h37
